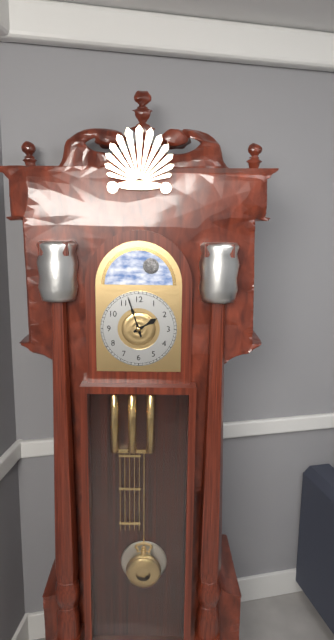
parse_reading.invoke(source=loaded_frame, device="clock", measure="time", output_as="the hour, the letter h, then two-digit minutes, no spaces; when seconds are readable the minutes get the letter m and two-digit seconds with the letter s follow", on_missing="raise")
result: 1h57
